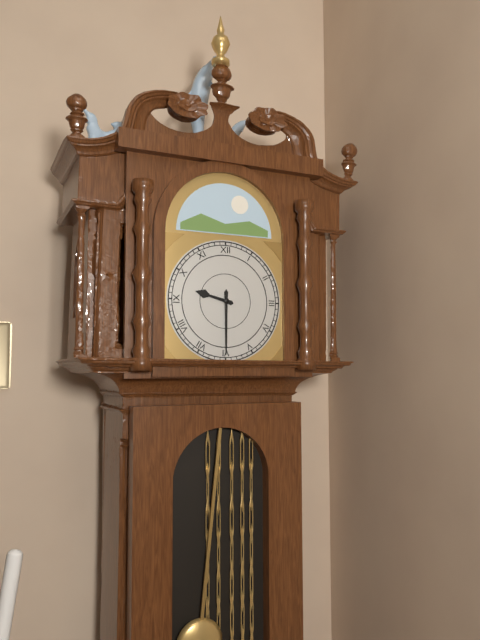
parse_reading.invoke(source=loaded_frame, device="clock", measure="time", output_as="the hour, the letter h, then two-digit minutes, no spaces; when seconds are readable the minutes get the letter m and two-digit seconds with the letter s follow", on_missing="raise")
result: 9h30
